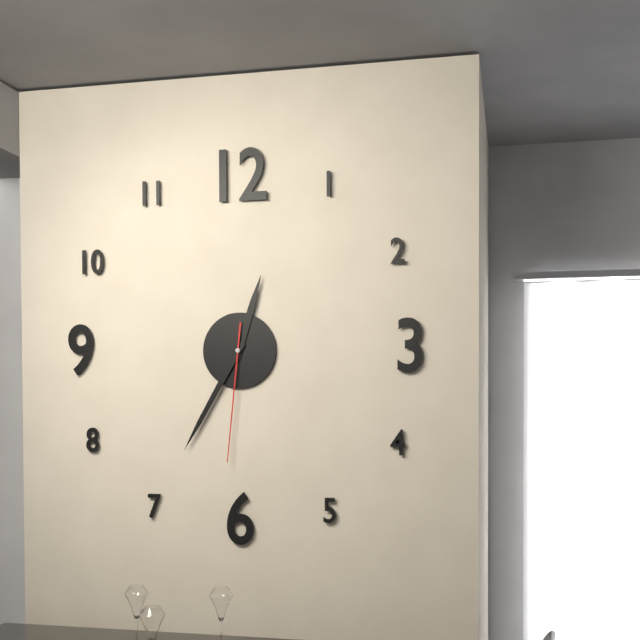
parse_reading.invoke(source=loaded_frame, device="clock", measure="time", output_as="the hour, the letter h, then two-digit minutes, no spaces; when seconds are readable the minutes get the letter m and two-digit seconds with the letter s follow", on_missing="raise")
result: 12h35m31s
